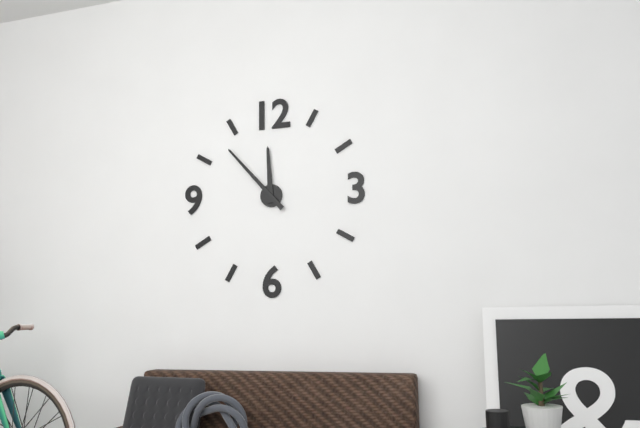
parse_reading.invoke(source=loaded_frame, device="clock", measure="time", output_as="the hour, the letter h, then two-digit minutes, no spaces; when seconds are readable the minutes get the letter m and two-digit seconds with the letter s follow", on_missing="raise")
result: 11h53
